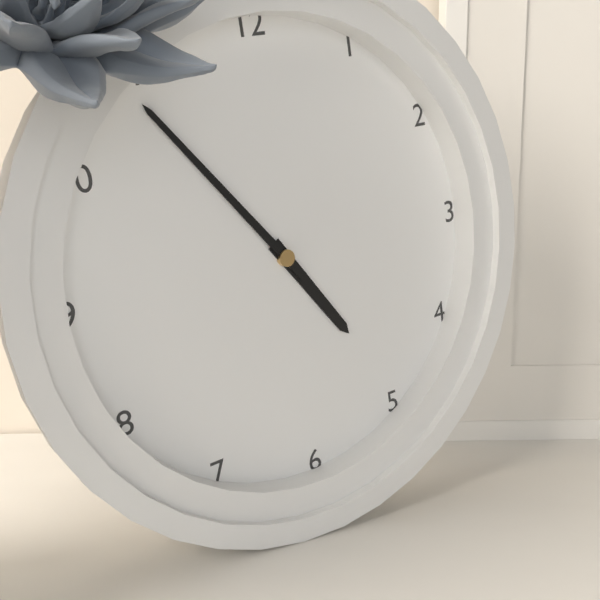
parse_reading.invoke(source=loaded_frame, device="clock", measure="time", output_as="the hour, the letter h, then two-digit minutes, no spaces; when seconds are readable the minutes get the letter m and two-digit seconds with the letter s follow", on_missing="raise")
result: 4h54
